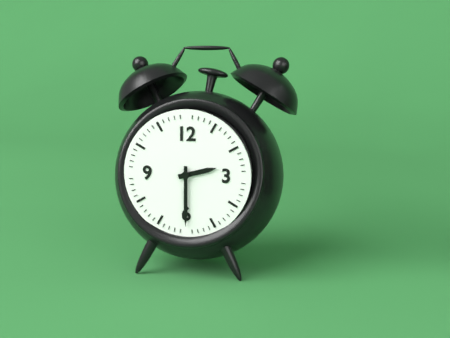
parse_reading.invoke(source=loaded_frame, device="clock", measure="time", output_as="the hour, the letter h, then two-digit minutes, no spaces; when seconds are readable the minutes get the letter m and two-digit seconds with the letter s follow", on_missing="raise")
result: 2h30
